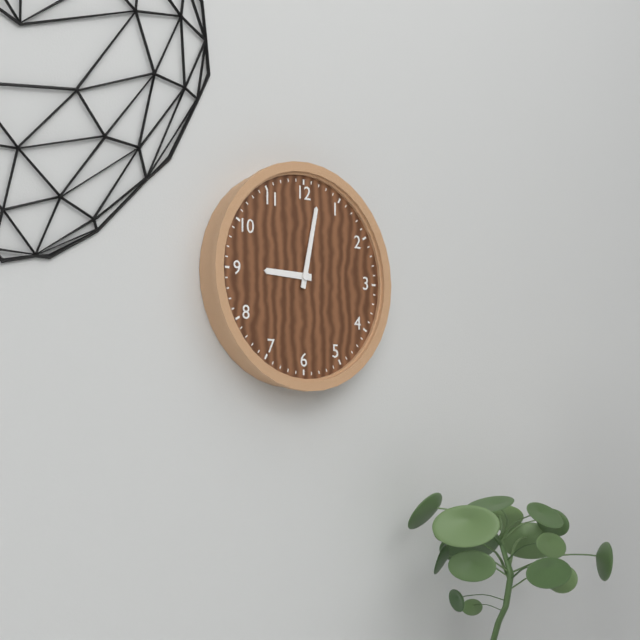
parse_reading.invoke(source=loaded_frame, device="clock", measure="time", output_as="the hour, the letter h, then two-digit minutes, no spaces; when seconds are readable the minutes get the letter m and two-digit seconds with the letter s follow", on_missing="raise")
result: 9h02
